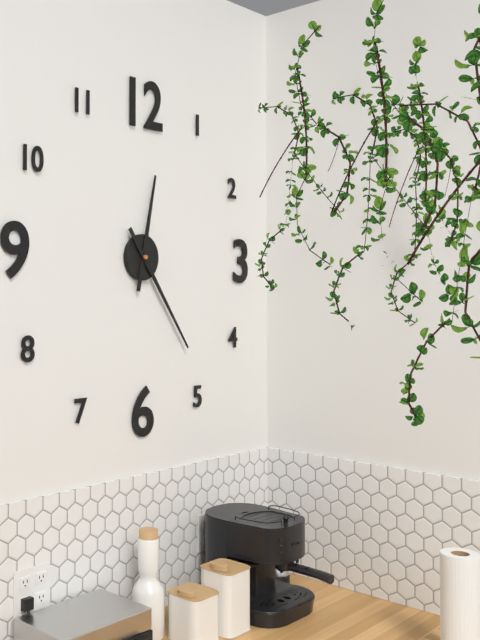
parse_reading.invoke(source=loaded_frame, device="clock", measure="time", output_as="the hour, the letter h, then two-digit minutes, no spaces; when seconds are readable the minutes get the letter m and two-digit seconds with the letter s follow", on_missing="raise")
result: 12h24
